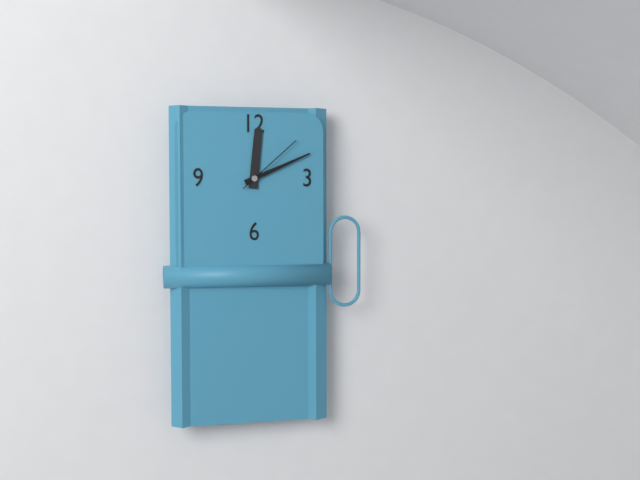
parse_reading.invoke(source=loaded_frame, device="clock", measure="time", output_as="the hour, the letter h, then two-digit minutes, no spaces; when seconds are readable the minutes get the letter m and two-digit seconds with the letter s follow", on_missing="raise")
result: 12h11m08s
